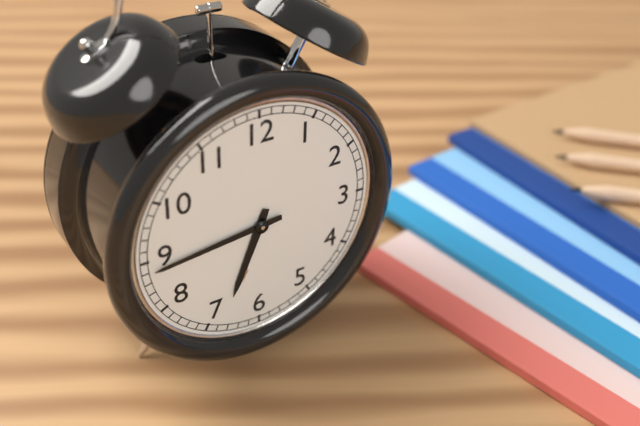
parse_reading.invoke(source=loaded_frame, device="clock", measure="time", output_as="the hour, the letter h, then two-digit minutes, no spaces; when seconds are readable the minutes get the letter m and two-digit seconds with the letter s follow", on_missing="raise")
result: 6h44
